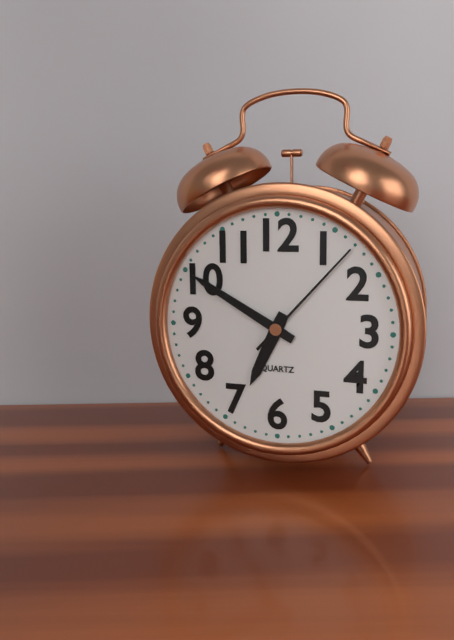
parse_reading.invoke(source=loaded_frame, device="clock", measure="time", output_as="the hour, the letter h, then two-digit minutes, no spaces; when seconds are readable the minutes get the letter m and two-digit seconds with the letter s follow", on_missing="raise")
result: 6h50m07s
